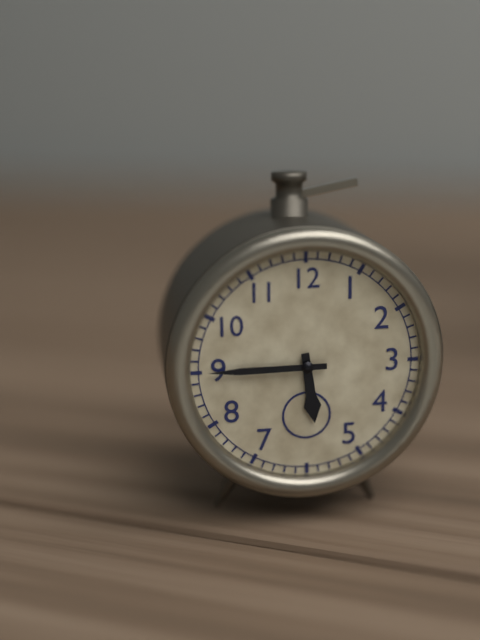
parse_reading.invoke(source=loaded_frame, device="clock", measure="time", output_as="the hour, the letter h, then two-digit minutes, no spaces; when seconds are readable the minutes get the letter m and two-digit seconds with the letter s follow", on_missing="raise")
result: 5h45
